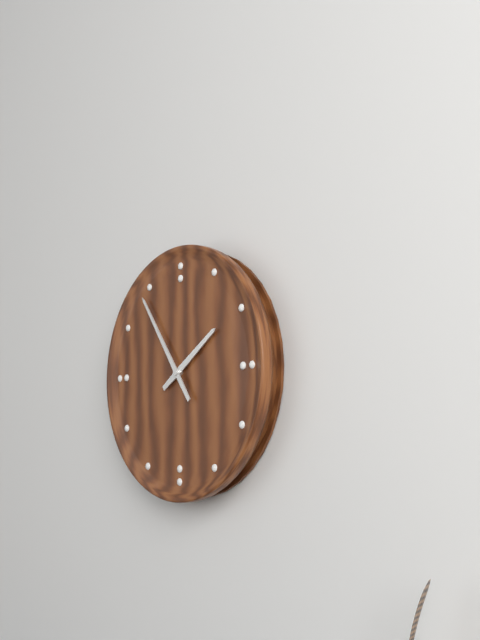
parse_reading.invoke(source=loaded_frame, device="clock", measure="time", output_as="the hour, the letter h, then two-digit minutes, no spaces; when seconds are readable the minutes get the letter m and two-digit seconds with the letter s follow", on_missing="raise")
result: 1h54
